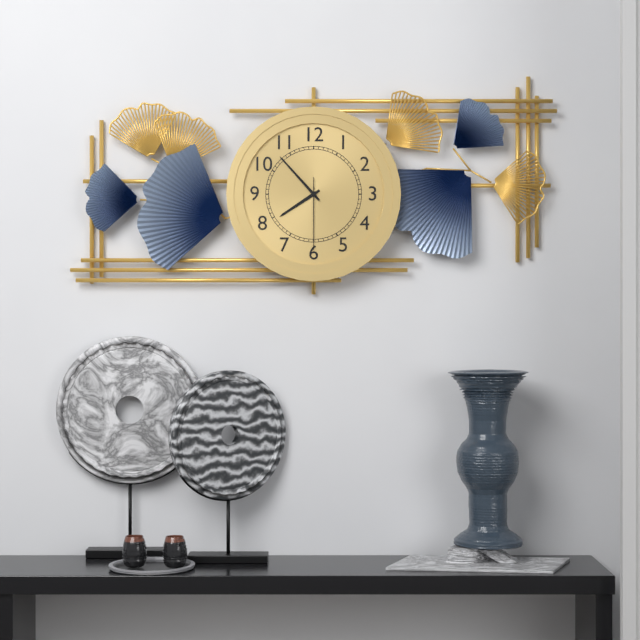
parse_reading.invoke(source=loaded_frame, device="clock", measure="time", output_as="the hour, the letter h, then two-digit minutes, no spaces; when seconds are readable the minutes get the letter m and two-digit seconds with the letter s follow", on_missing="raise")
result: 7h53m30s
